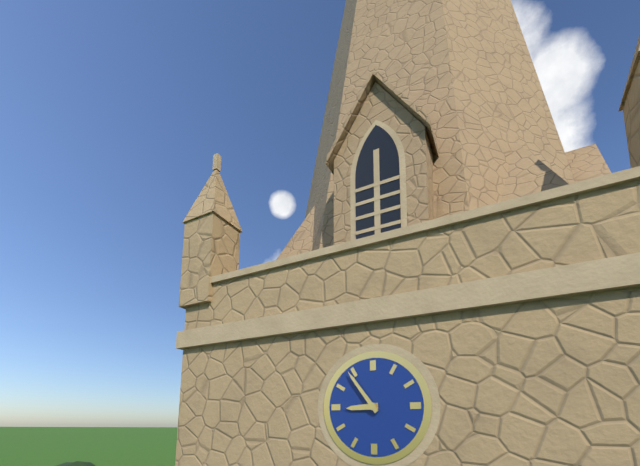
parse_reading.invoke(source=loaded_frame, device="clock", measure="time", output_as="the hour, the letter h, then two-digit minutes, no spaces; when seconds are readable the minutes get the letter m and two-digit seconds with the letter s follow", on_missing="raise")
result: 8h54
